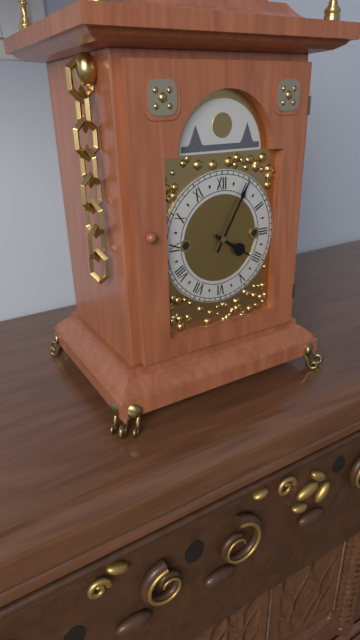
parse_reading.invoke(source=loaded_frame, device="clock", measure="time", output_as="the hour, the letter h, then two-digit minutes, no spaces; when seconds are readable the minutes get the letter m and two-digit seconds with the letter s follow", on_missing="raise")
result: 4h05
